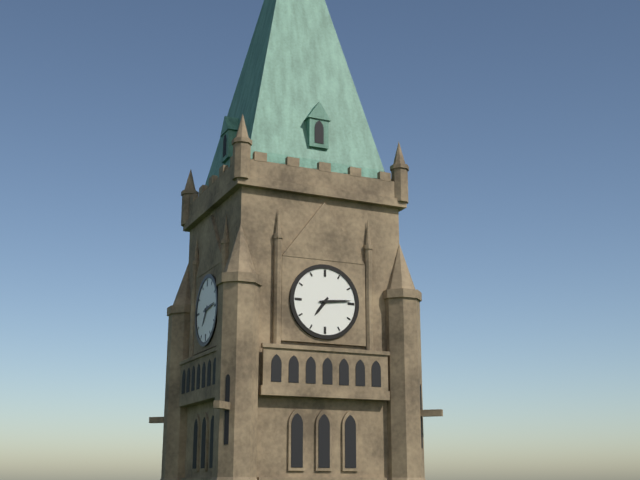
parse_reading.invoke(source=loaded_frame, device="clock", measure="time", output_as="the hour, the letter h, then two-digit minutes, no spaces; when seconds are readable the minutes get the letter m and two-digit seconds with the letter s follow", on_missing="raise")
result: 7h14
